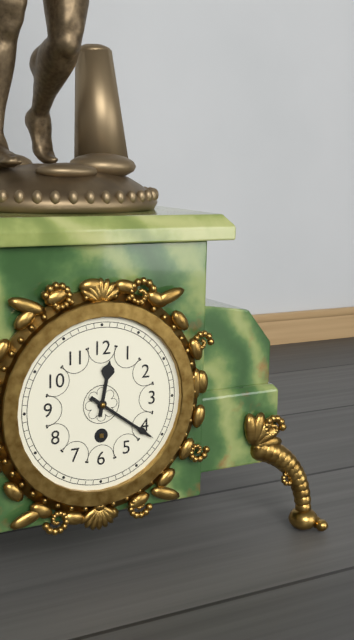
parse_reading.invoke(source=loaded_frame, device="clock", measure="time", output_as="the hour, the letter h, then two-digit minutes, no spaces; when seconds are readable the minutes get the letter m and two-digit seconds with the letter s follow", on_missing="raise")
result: 12h21
